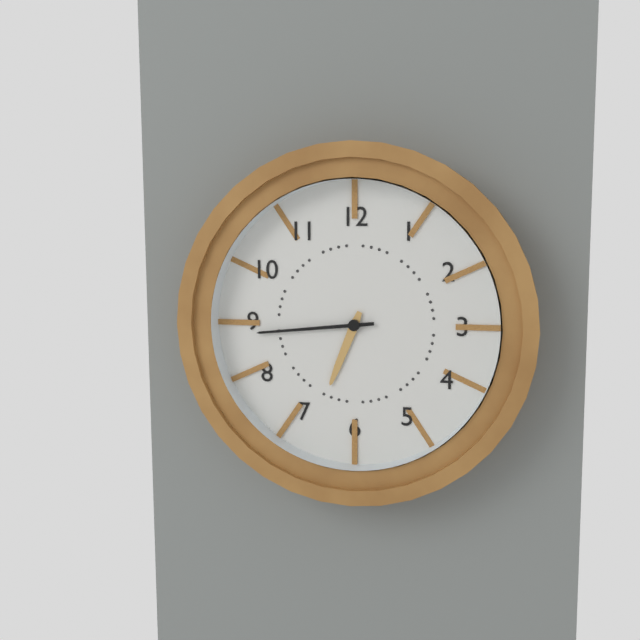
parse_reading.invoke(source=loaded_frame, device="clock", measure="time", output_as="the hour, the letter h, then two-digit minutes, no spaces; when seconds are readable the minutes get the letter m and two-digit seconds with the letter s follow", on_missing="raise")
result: 6h44
